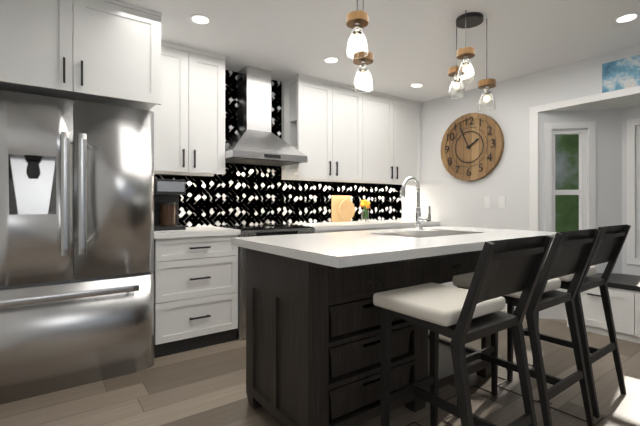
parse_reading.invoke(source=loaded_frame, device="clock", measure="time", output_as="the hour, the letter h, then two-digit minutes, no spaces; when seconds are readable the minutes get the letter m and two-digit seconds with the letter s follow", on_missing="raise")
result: 1h56
